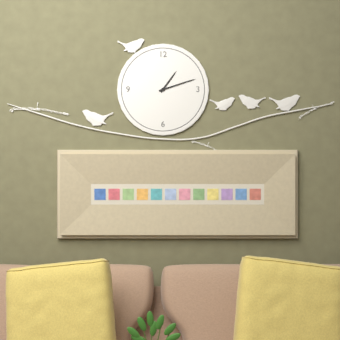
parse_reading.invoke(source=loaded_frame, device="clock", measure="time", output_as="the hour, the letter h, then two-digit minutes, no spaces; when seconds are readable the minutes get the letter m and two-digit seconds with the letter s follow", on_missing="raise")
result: 1h12
